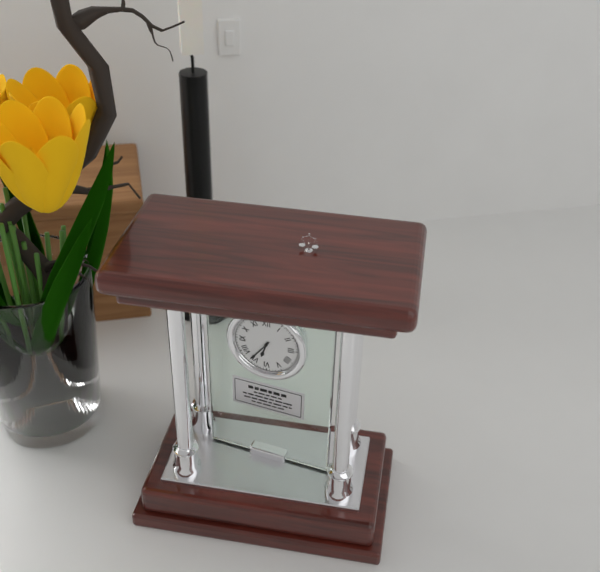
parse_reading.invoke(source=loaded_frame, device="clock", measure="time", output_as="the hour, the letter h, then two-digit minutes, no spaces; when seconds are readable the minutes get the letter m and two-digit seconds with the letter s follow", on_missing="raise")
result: 6h36
